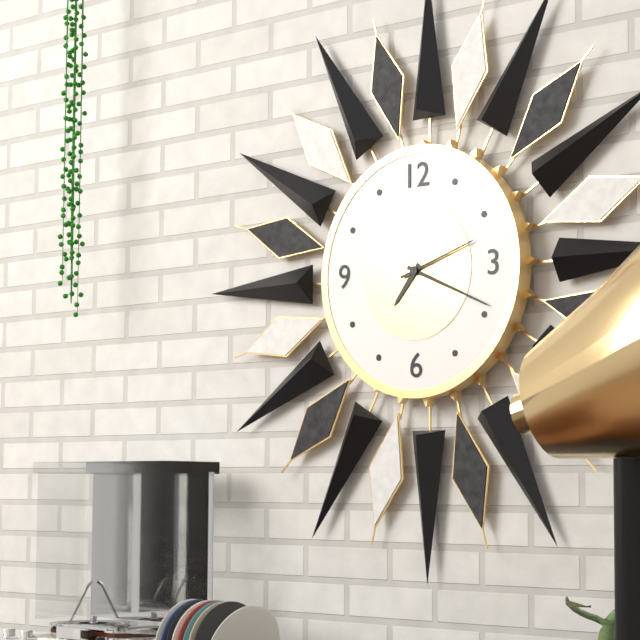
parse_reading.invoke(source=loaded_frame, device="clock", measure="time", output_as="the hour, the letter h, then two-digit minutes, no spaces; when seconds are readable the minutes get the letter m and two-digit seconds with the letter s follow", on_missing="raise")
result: 7h19m12s
